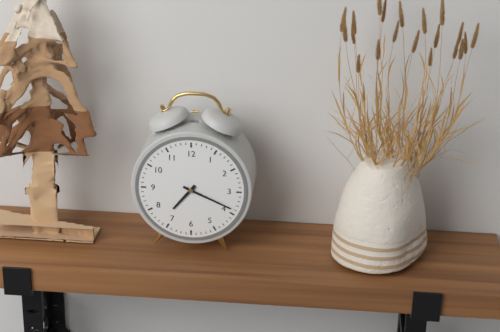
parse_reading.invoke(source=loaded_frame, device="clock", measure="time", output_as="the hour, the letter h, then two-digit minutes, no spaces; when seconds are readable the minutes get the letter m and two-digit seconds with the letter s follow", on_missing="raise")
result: 7h19
